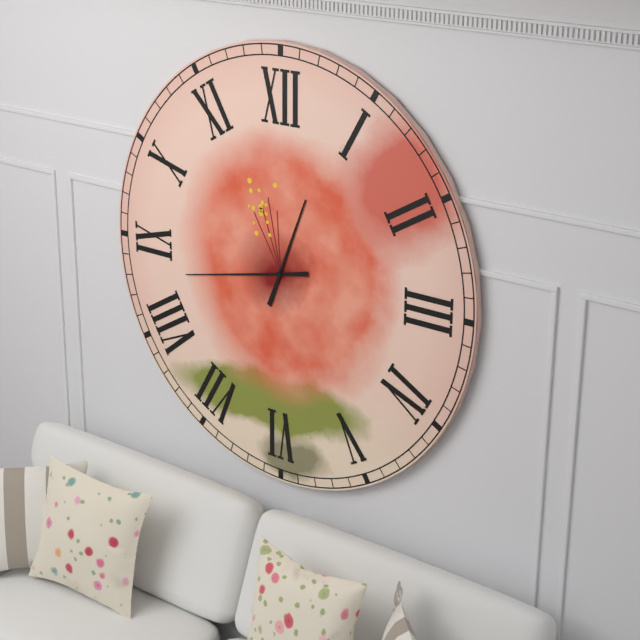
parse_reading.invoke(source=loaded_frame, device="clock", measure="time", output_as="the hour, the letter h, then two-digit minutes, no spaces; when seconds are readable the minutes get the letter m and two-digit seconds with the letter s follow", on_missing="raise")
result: 12h43
